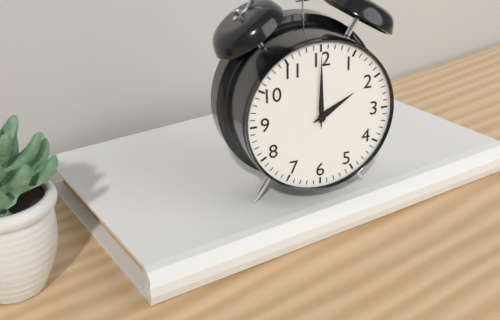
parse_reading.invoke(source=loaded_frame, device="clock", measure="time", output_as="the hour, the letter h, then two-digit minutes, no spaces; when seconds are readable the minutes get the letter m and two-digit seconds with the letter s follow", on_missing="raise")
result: 2h00
